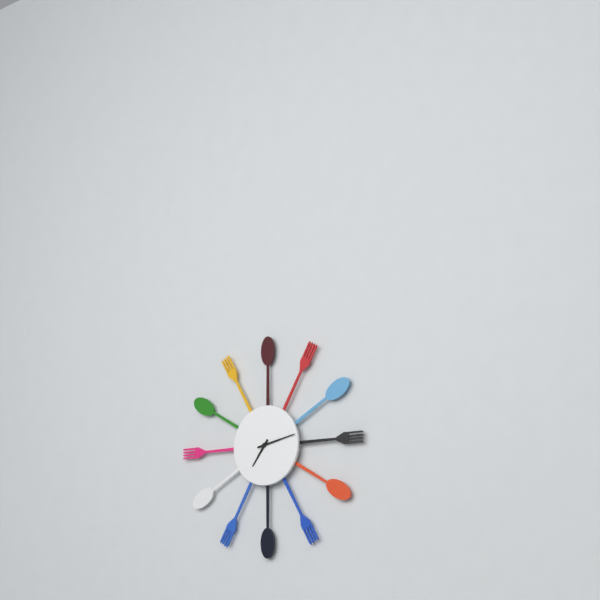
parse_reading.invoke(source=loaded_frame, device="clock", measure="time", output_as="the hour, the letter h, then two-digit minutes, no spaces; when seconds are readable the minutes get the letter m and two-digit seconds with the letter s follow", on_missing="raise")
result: 7h13
